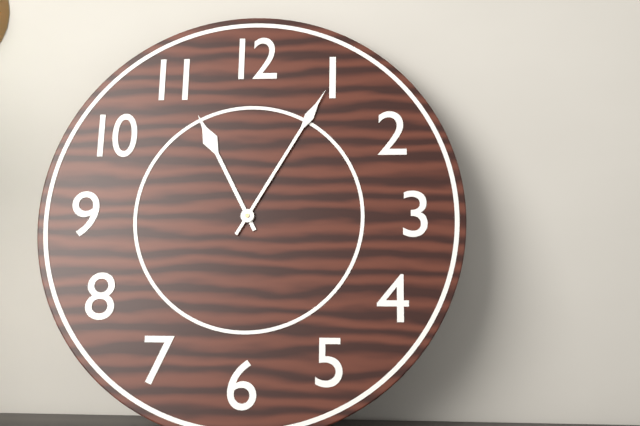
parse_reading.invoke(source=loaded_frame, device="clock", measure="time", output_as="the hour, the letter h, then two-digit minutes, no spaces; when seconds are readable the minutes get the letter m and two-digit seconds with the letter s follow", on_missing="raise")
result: 11h05
